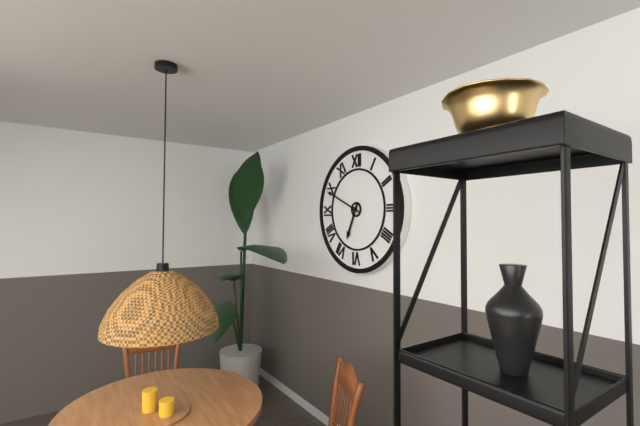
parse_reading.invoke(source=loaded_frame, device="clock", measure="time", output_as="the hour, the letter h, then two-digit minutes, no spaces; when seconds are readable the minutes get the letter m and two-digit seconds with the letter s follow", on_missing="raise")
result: 6h49
